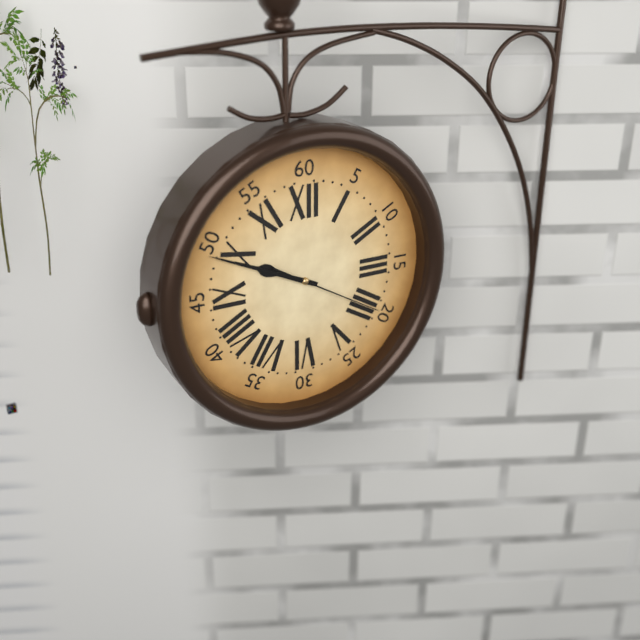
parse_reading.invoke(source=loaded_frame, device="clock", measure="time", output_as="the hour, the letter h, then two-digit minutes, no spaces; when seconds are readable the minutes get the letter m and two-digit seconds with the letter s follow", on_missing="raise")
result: 9h49m20s
